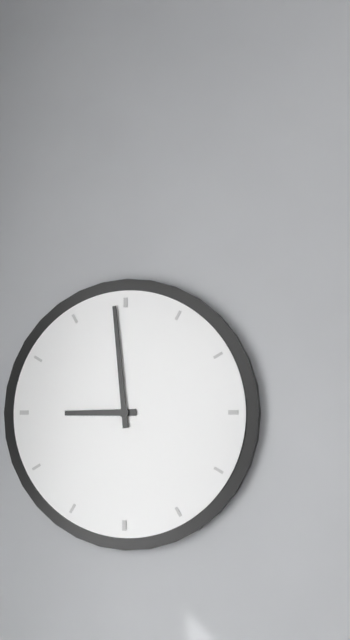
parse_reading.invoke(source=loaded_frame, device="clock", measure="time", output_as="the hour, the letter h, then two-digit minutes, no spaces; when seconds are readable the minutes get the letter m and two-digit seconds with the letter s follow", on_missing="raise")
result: 8h59
